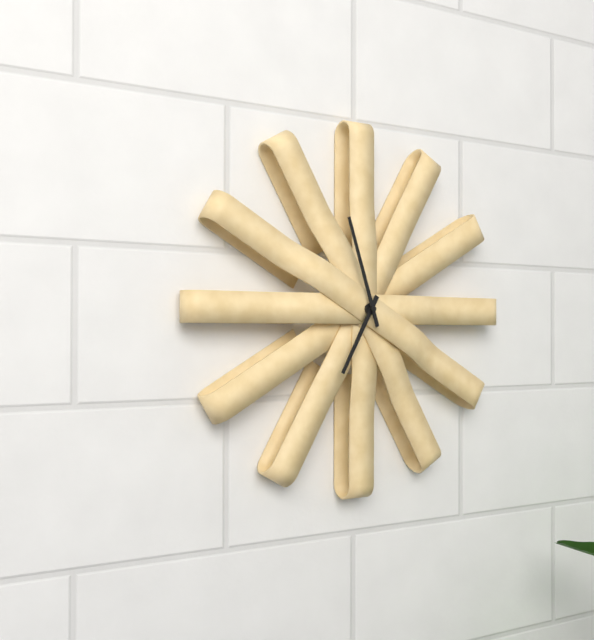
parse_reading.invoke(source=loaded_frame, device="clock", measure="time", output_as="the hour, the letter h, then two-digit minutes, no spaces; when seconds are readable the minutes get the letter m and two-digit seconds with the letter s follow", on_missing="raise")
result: 6h57
